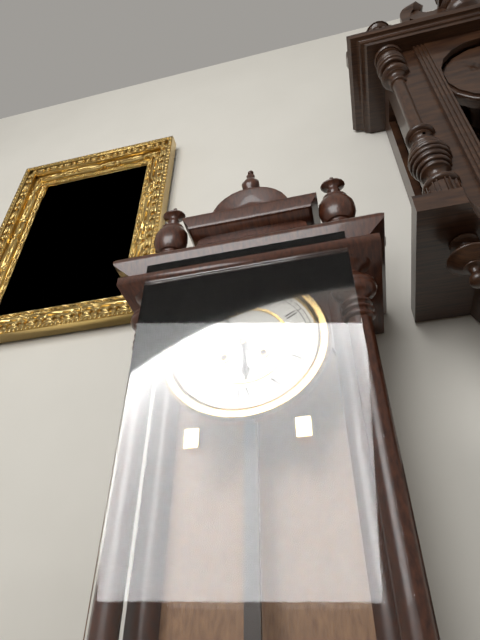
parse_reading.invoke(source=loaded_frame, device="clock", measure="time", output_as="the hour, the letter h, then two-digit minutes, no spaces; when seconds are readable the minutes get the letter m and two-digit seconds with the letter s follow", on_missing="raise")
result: 5h55
